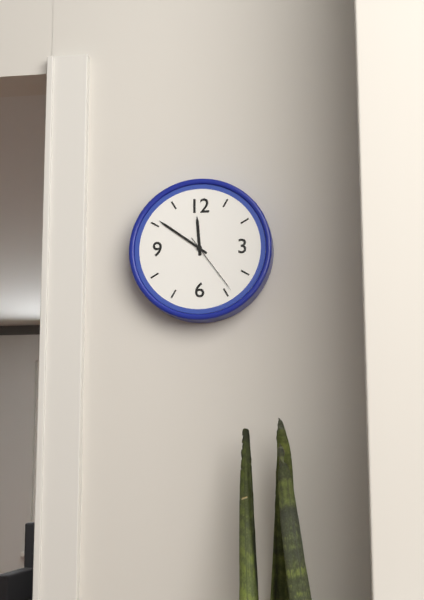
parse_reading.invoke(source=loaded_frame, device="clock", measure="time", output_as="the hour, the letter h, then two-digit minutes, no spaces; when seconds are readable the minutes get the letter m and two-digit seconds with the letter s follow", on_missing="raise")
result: 11h51m24s
